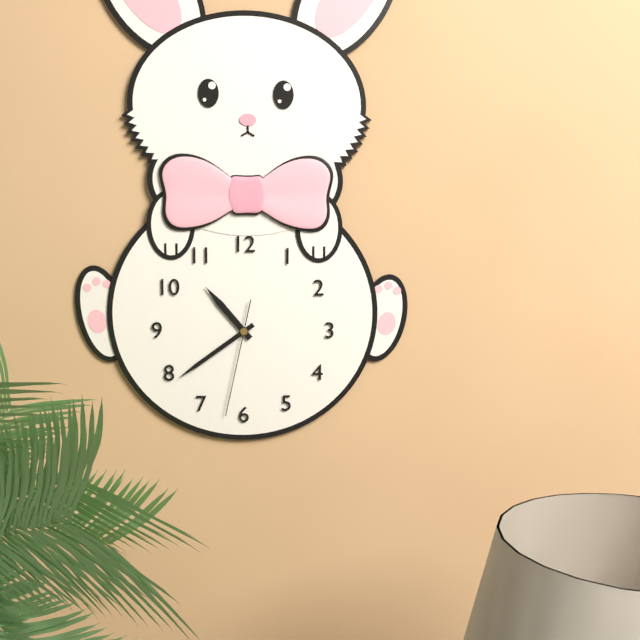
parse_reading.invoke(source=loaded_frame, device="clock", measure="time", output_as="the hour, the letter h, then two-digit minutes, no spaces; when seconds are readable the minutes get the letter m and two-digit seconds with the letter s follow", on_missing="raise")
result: 10h39m32s
